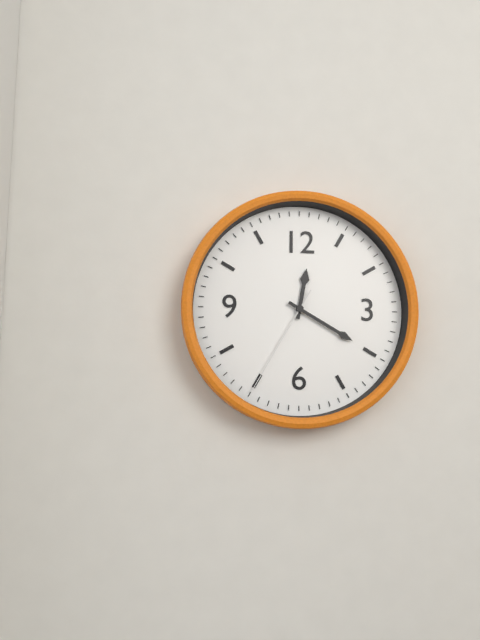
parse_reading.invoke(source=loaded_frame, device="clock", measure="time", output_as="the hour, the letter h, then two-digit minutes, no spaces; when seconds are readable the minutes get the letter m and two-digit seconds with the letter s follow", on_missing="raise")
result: 12h20m35s
